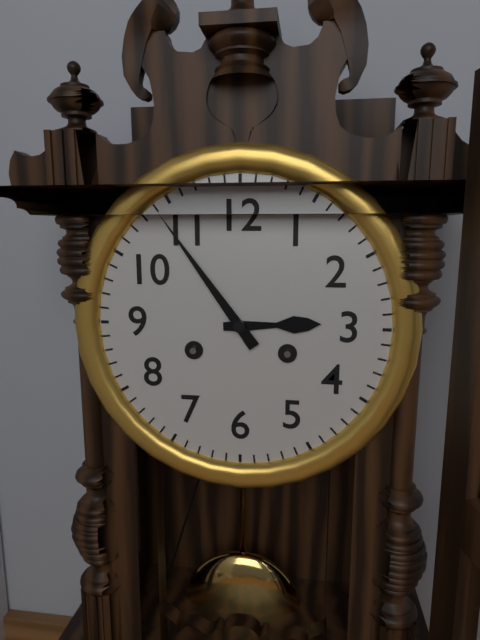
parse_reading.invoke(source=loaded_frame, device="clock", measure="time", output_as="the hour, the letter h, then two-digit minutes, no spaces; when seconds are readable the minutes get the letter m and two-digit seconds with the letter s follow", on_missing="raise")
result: 2h54
